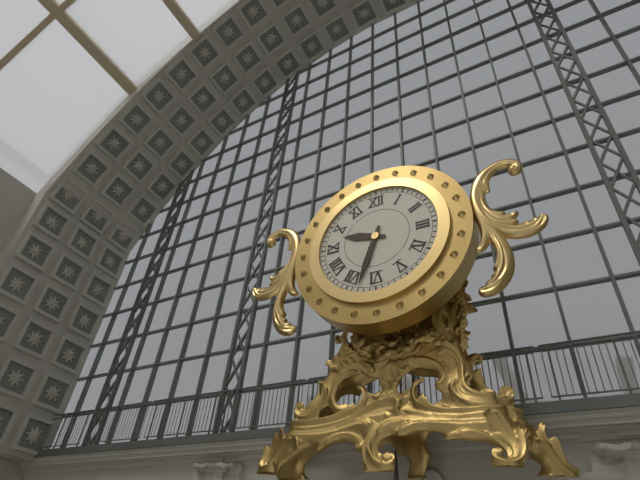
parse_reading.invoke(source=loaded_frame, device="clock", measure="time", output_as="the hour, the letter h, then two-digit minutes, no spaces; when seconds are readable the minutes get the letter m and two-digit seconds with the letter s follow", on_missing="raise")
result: 9h33
